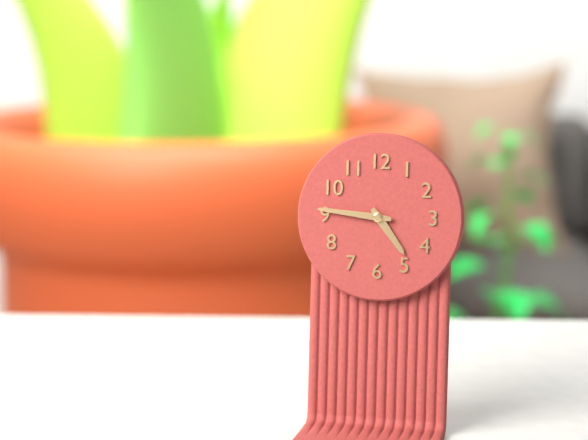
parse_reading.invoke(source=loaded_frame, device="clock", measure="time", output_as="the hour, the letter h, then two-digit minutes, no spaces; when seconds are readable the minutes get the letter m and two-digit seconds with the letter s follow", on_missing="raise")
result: 4h46
